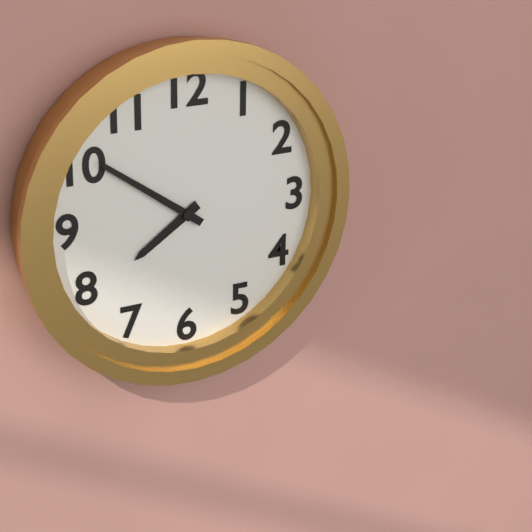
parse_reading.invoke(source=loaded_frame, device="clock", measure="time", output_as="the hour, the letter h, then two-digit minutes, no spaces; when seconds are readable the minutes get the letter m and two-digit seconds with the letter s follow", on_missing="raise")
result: 7h51
